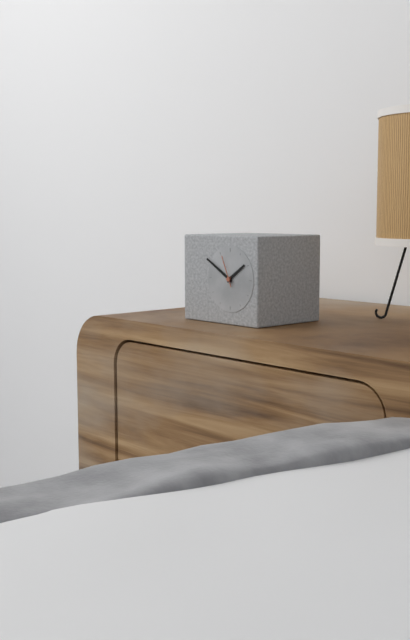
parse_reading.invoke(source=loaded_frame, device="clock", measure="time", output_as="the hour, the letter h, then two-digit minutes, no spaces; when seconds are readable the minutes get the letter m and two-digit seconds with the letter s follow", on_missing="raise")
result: 1h50
